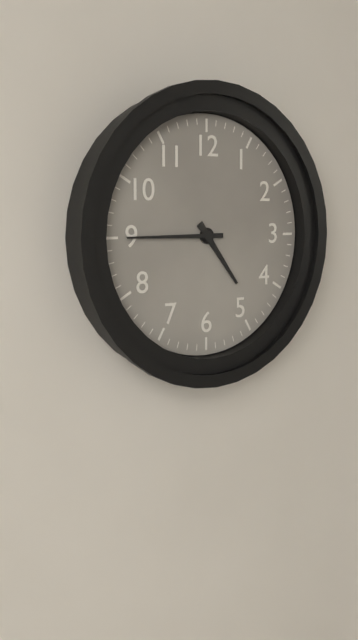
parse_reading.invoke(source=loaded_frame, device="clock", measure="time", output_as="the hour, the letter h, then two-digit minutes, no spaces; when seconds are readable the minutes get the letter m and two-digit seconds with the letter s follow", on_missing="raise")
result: 4h45
